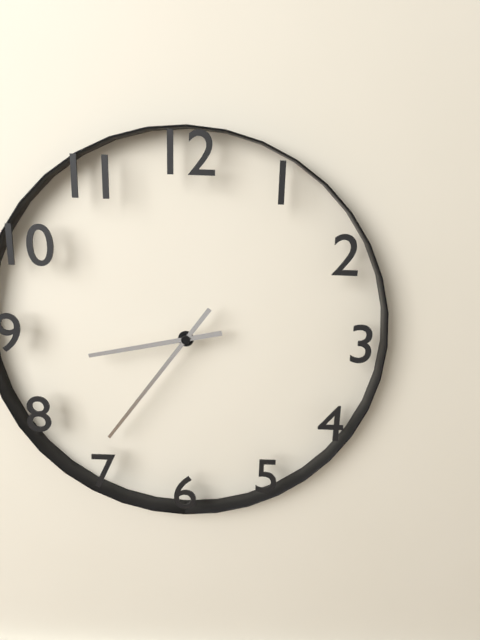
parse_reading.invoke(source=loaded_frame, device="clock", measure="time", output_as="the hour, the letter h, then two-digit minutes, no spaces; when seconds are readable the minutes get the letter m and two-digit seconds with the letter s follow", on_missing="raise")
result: 8h36
